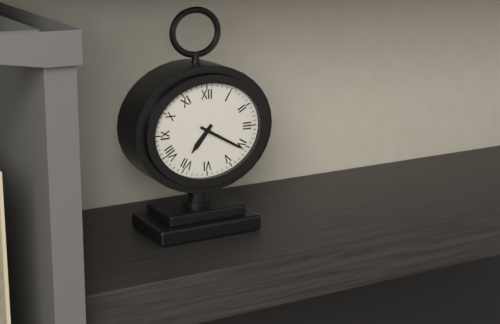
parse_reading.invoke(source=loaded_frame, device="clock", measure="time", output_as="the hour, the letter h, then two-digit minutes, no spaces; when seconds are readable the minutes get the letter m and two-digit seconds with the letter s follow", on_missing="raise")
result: 7h20
